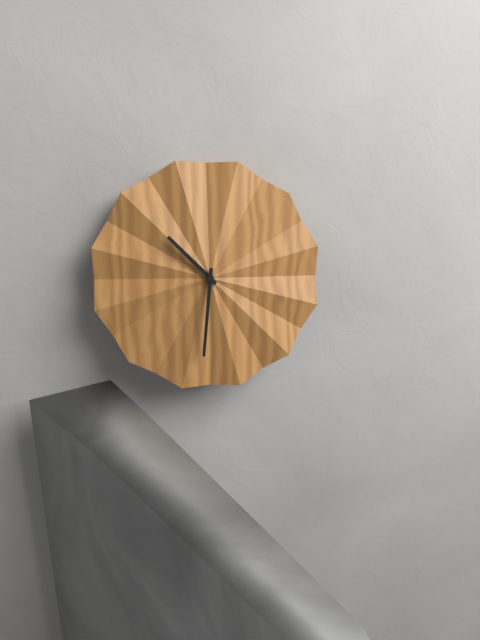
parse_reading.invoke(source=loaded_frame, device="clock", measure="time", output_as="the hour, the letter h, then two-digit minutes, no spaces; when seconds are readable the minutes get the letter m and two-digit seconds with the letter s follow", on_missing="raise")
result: 10h31
